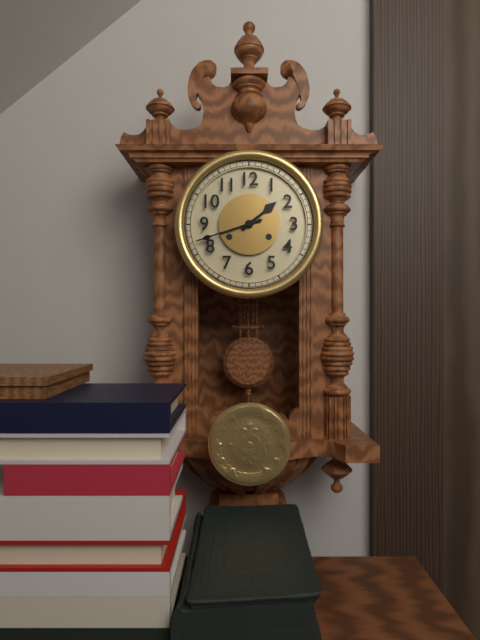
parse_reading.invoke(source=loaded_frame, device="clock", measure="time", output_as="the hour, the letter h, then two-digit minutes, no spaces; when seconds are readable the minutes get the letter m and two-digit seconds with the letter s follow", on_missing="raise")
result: 1h42
